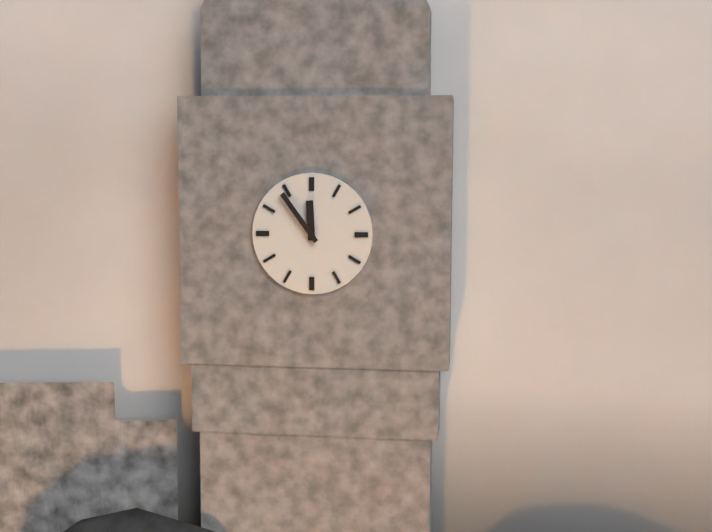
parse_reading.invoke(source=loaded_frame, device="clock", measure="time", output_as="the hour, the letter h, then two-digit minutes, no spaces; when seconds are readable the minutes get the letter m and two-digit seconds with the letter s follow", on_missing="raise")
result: 11h54
